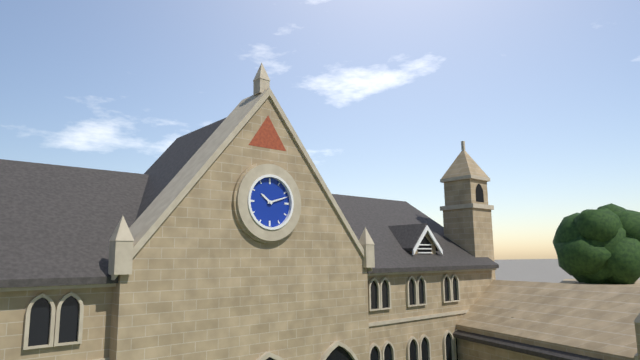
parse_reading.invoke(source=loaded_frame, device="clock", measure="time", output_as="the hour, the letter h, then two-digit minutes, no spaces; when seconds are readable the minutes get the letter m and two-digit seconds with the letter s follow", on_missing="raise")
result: 10h12
